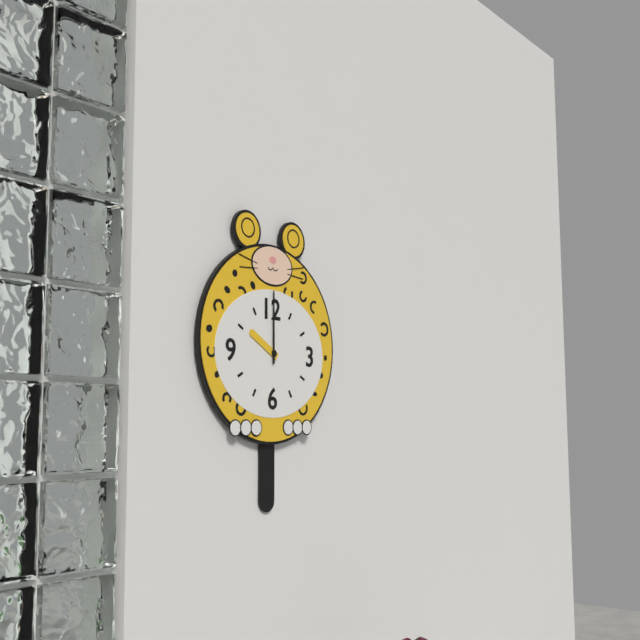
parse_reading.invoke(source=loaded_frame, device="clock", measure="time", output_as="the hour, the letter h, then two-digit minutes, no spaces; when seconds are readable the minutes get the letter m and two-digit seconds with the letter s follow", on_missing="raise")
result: 10h00
